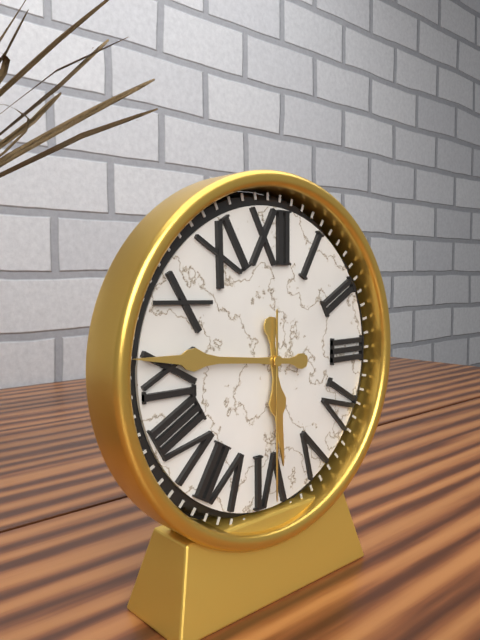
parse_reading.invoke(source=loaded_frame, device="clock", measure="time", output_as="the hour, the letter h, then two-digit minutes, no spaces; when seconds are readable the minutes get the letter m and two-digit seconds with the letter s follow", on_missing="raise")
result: 5h46m30s
